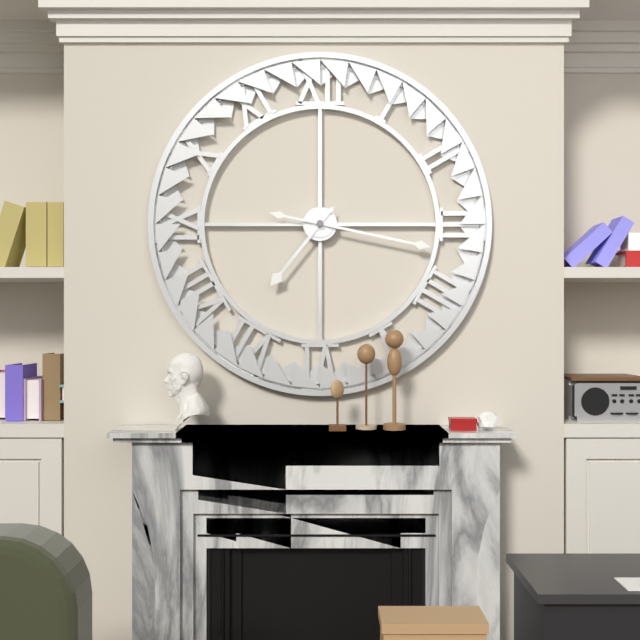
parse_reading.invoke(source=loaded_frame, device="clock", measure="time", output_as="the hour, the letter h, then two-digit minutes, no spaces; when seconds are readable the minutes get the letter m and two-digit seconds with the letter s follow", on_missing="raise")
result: 7h17
